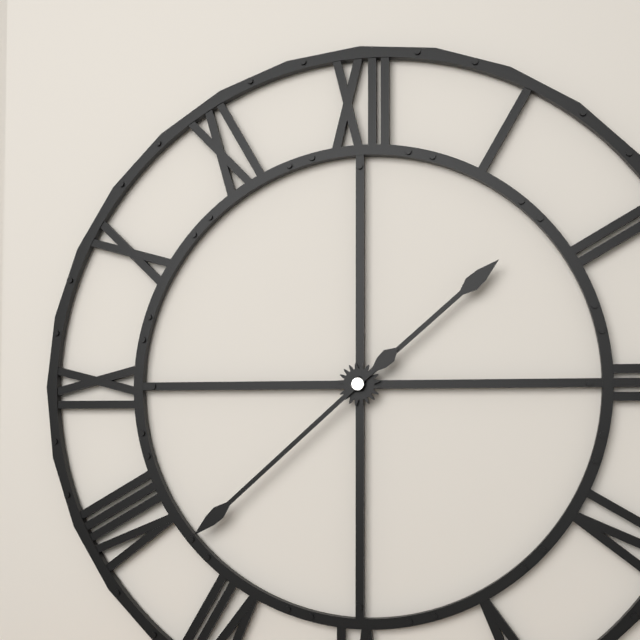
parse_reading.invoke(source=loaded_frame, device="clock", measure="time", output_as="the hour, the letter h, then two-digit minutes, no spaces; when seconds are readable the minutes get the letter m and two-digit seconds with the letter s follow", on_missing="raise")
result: 1h38
